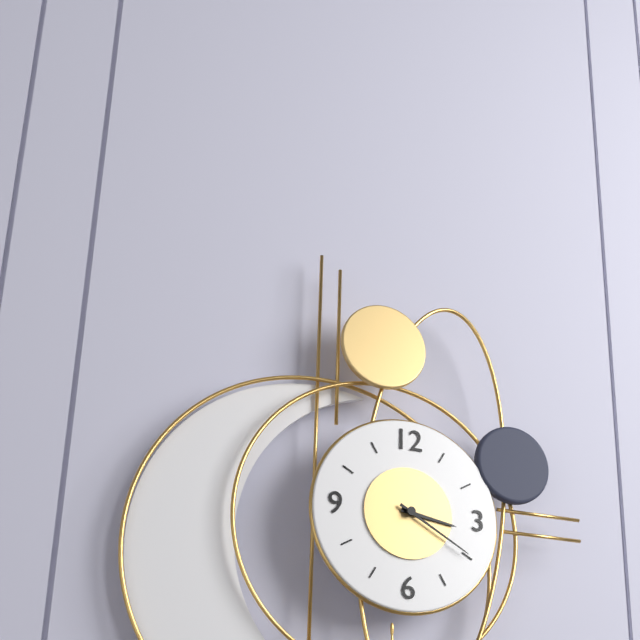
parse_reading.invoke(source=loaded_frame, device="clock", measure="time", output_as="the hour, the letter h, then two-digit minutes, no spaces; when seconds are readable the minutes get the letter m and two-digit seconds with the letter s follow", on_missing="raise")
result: 3h20
